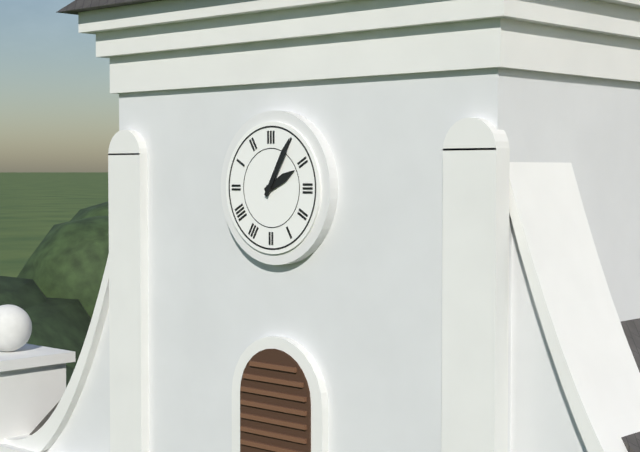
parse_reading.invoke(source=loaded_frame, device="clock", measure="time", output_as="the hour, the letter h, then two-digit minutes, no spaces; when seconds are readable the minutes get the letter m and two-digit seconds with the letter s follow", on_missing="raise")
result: 2h05
